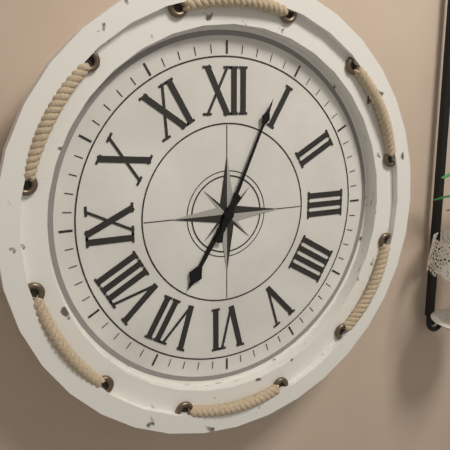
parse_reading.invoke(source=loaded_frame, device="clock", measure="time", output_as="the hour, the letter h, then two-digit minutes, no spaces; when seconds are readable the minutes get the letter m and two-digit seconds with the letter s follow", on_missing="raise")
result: 7h04
